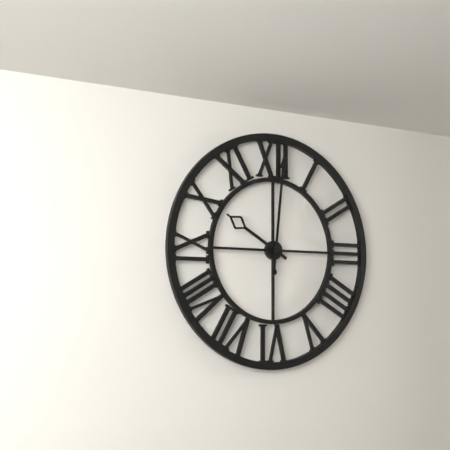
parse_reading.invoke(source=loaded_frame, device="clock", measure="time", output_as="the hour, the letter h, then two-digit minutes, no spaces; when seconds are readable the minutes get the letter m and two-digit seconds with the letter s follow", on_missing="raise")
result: 10h01
